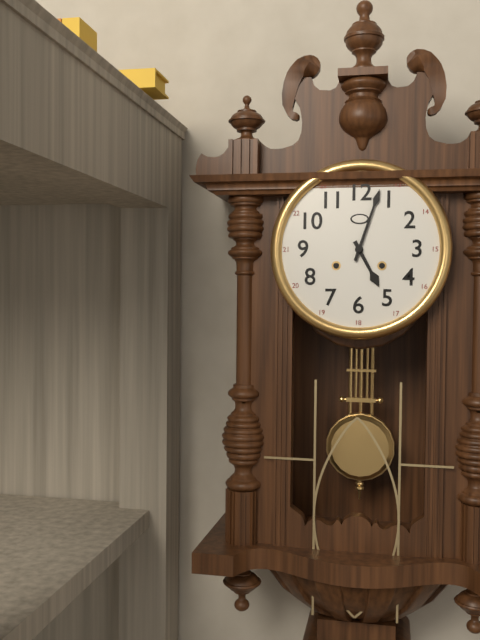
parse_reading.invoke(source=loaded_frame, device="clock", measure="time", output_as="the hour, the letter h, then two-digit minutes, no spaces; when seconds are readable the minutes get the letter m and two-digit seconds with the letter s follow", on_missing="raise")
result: 5h03
